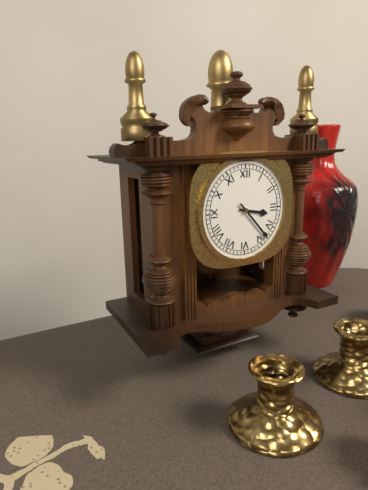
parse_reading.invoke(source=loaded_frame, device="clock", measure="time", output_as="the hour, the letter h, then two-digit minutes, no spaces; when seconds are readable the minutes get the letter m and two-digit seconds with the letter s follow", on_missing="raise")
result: 3h23
